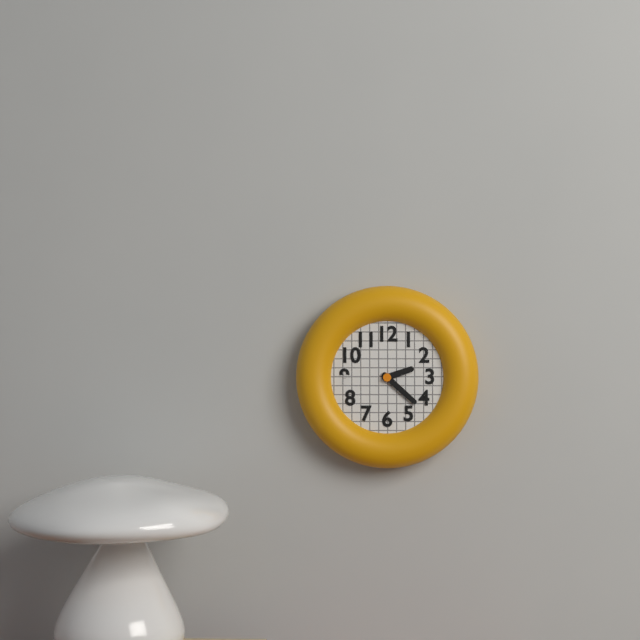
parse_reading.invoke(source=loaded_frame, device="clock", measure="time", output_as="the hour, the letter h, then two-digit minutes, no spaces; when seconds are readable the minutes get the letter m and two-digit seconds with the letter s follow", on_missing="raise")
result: 2h22
